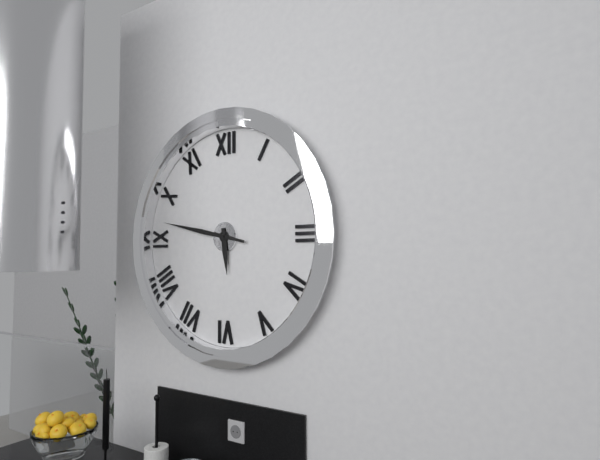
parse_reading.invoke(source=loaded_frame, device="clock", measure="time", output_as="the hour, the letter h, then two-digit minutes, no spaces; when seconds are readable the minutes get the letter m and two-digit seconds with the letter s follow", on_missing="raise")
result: 5h47
